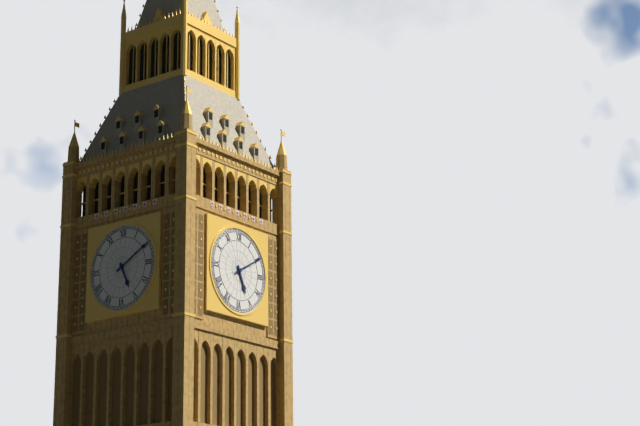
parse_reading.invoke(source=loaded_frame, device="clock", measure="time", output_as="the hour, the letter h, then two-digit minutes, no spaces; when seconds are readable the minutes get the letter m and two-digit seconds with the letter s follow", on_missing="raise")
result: 5h10
